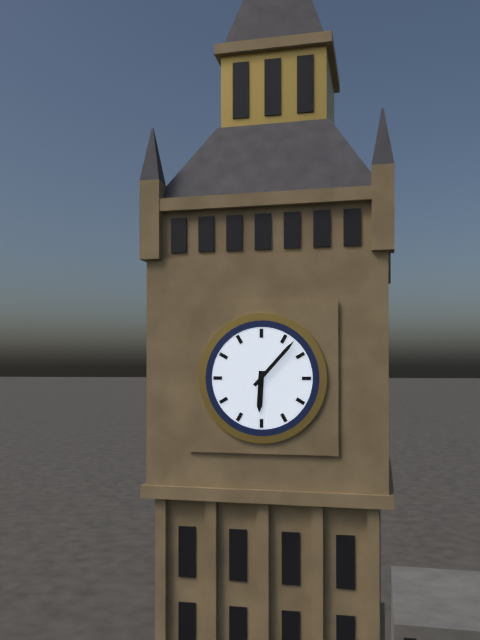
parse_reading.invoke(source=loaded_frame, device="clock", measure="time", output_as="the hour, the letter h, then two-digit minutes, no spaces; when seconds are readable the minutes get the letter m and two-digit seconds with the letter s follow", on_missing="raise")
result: 6h07
